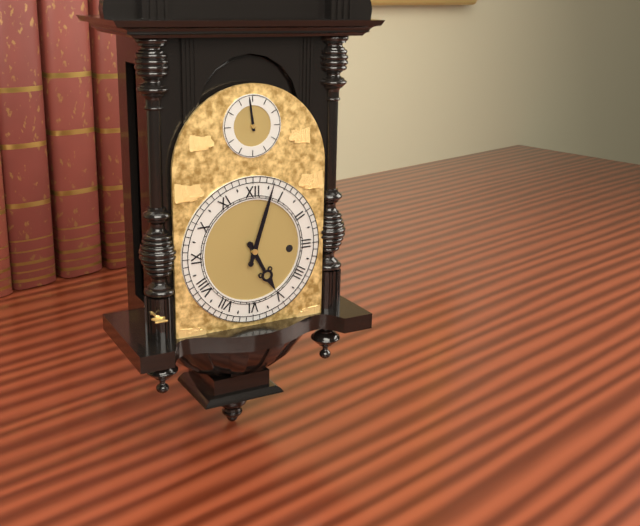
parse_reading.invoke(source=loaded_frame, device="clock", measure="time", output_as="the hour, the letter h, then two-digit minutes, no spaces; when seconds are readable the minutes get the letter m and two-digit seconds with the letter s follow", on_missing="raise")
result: 5h03
